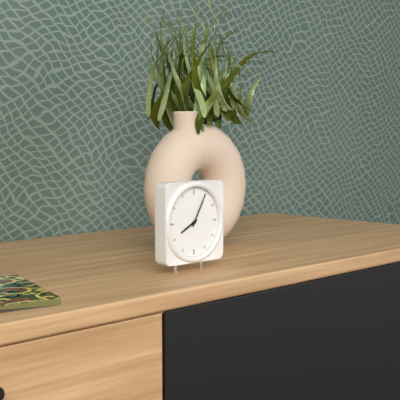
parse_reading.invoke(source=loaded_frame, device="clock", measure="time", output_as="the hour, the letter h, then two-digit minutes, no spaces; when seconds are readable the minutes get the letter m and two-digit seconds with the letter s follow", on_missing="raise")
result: 8h05
